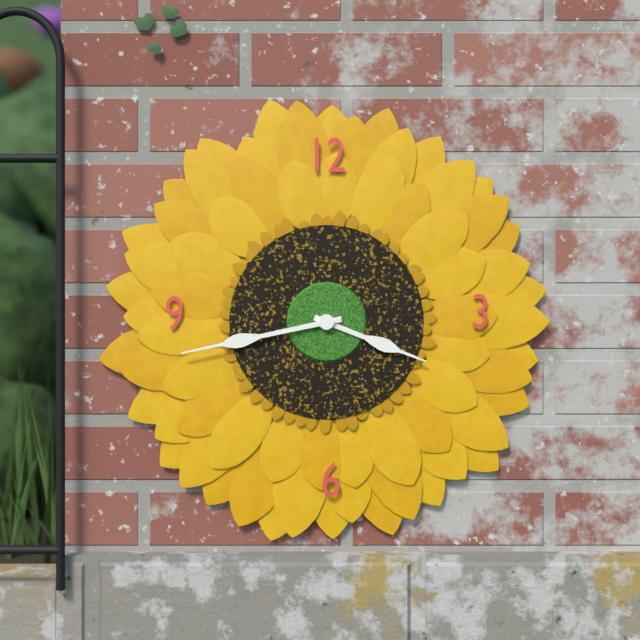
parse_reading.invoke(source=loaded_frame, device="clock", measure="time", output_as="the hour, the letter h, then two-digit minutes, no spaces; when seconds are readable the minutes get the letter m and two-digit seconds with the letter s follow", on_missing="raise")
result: 3h43
